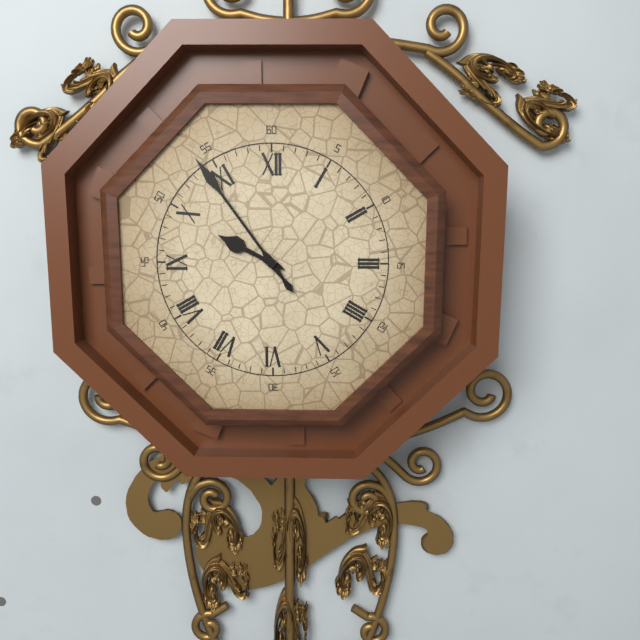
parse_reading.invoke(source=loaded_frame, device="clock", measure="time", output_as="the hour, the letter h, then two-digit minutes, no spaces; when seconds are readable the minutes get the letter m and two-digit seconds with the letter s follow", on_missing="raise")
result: 9h54
